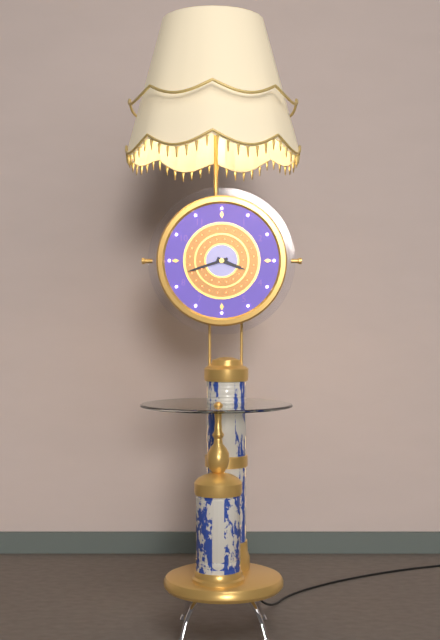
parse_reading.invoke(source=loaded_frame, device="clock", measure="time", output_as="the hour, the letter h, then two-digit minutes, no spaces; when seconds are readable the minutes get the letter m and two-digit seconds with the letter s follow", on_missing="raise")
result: 3h42
